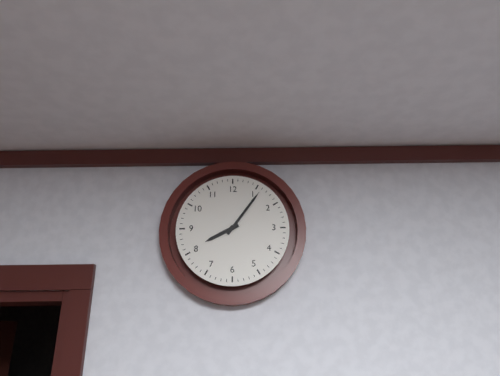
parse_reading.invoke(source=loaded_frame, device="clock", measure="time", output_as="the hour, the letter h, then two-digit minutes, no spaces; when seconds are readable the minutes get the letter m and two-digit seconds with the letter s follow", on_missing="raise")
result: 8h06
